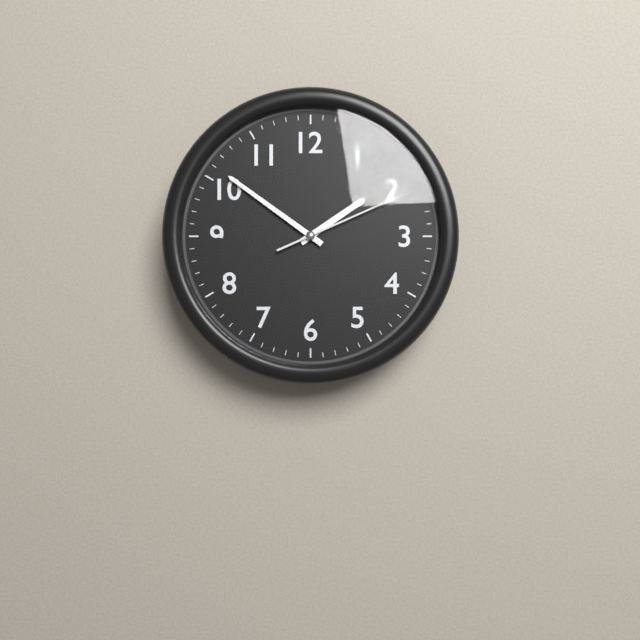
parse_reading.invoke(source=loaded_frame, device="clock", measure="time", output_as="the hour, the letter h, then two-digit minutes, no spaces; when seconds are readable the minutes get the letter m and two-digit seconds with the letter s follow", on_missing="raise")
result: 1h51m11s
